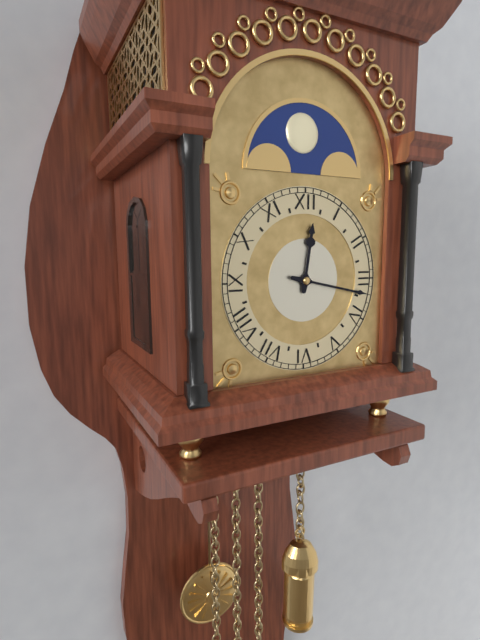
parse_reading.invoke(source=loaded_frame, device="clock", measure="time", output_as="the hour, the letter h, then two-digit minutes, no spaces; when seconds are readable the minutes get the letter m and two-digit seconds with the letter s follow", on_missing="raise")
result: 12h17
